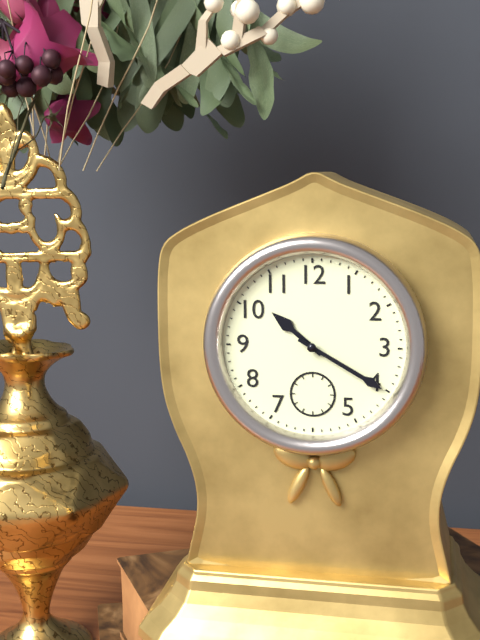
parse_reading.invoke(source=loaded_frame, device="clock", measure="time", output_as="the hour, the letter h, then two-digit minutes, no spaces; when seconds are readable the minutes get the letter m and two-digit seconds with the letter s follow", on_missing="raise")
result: 10h20
